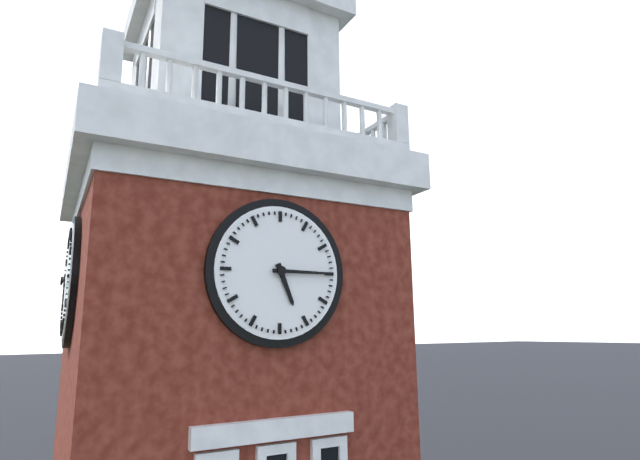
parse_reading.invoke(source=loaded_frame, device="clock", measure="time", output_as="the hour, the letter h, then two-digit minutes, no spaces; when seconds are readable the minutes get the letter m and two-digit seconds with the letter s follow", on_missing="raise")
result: 5h15
